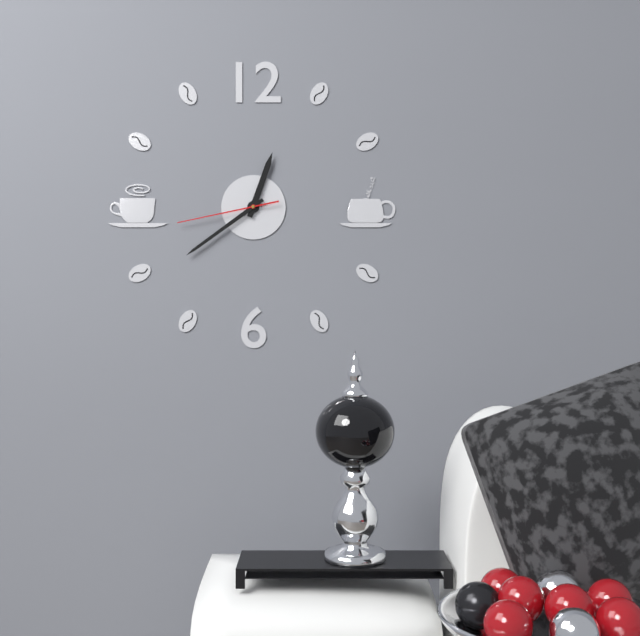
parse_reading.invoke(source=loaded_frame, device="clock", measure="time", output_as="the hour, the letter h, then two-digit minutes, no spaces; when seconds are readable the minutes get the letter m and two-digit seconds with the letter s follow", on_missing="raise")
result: 12h39m43s
